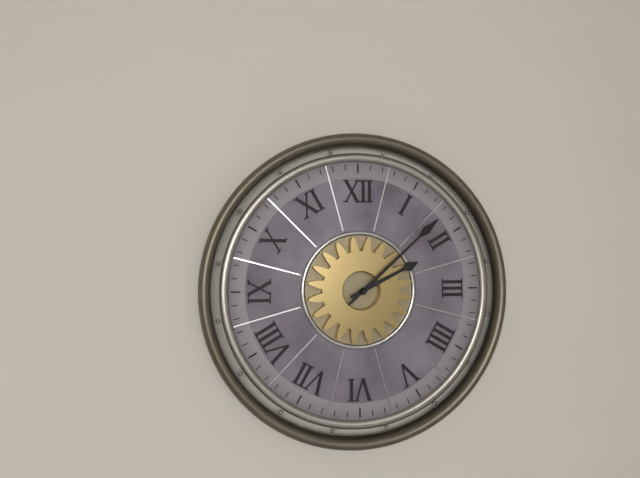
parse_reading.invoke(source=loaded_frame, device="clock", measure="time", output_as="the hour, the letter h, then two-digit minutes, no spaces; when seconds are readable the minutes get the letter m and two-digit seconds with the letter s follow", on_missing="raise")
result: 2h08
